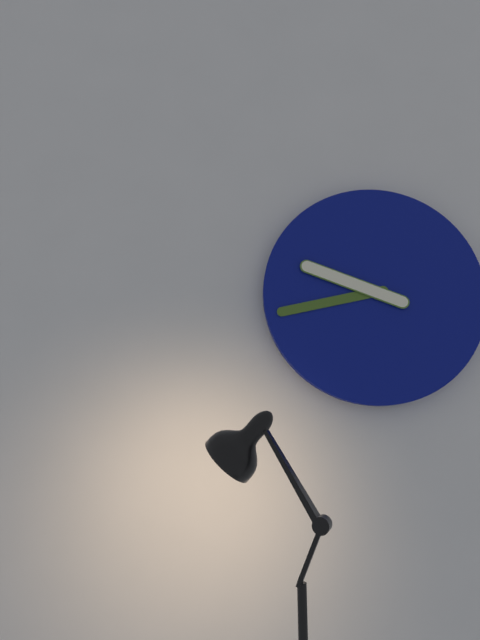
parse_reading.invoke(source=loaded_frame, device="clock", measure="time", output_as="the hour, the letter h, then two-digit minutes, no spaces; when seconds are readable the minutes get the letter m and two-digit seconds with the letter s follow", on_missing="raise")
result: 9h43
